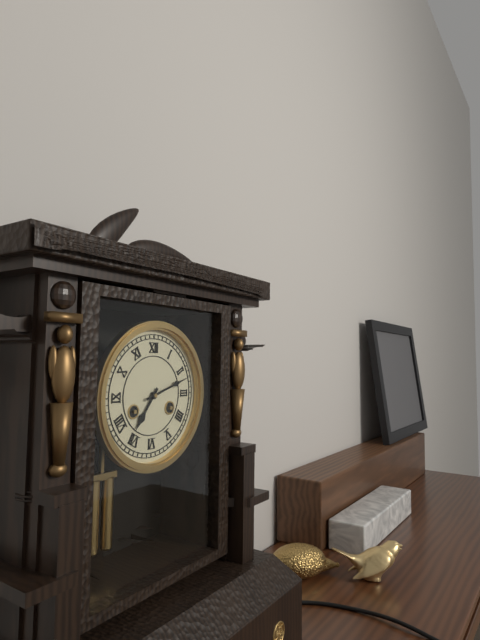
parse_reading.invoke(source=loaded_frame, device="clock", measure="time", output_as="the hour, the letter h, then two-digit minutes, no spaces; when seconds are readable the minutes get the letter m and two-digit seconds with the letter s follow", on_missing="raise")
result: 7h12
